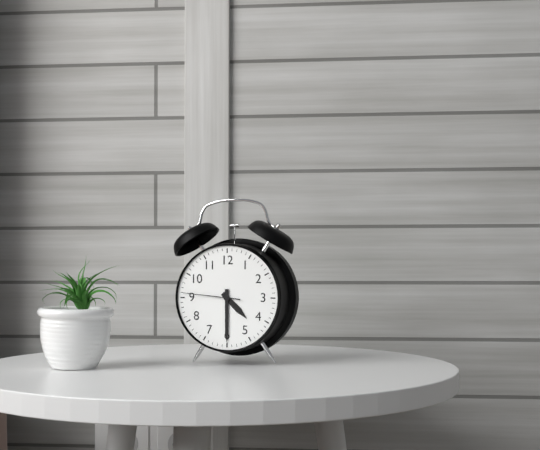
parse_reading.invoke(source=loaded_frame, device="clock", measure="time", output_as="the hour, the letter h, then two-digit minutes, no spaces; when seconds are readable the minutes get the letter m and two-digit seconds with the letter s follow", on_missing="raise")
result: 4h30m46s
